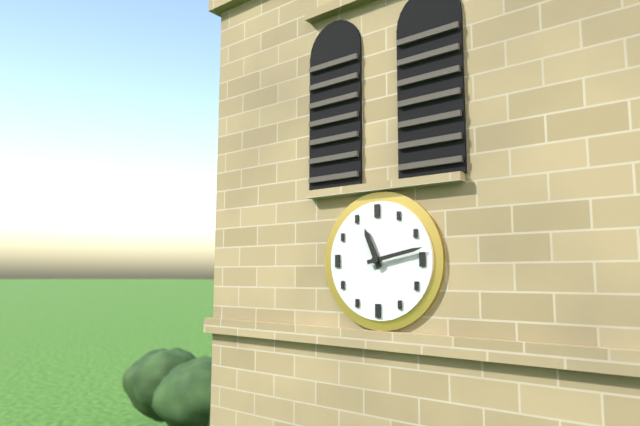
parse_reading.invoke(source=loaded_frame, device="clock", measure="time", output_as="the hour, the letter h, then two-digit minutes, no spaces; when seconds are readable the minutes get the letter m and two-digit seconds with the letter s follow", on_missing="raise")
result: 11h13
